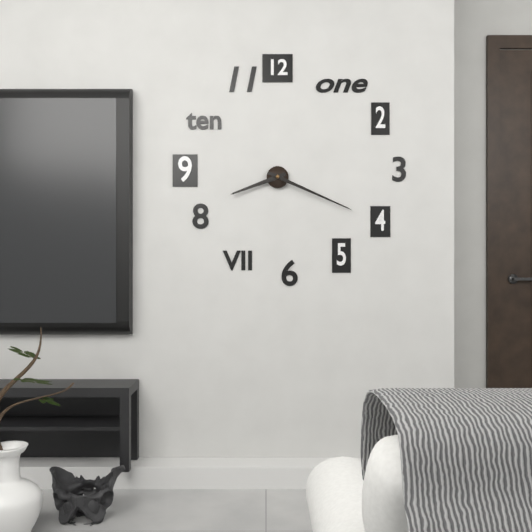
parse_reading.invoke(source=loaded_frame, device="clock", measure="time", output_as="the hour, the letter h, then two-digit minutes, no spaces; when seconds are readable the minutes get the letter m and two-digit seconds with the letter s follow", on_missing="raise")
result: 8h19
